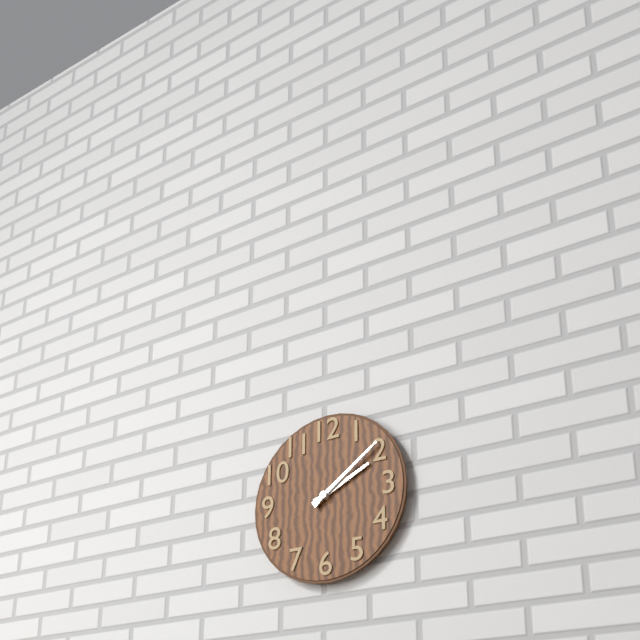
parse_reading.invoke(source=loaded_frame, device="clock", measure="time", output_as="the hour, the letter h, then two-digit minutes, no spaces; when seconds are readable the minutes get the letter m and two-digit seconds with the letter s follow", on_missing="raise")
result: 2h09
